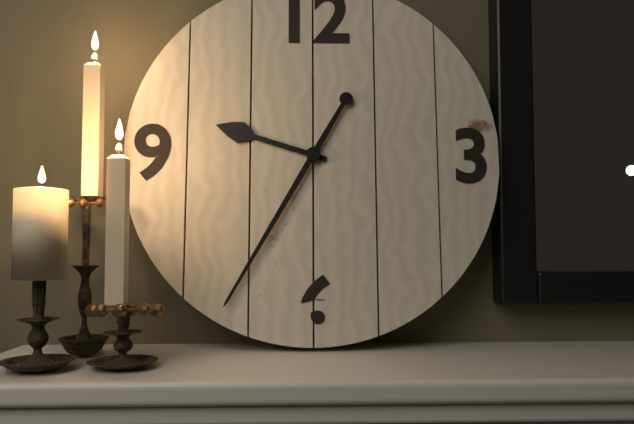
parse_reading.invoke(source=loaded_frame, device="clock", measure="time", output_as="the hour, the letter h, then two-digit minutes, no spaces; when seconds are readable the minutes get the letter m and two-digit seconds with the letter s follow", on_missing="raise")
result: 9h35
